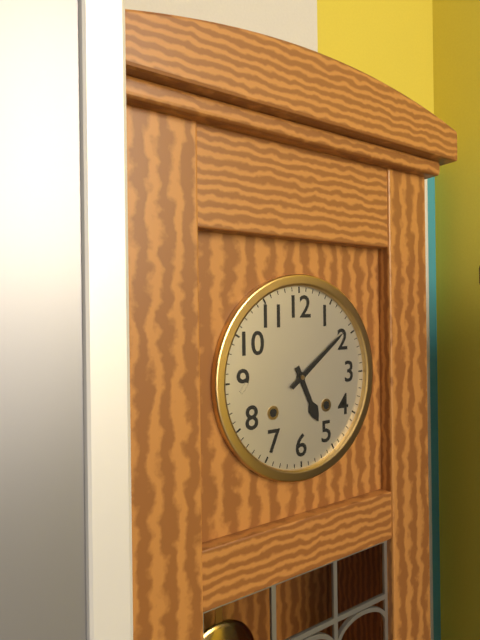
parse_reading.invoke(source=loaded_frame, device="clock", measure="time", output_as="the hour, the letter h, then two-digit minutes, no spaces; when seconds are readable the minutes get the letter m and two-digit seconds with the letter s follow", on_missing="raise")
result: 5h09
